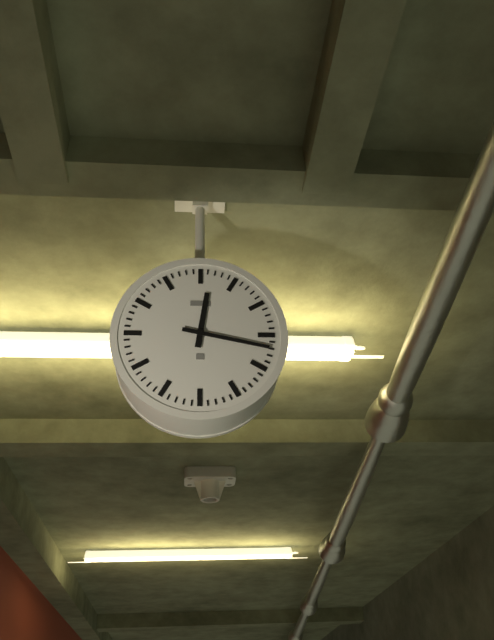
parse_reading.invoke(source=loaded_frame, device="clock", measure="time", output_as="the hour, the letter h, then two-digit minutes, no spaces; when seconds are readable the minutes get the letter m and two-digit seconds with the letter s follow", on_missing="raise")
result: 12h17
